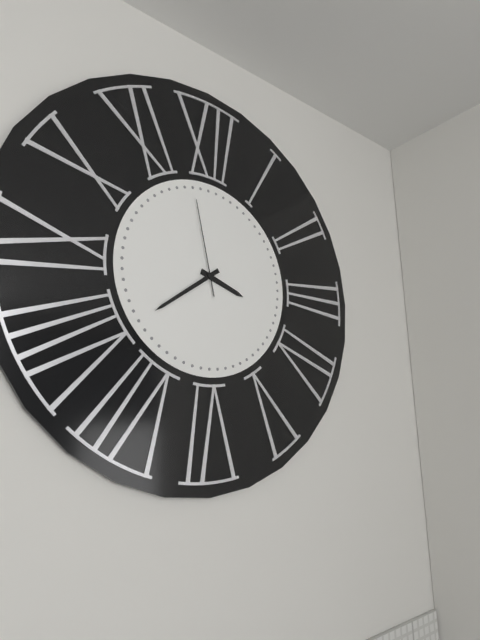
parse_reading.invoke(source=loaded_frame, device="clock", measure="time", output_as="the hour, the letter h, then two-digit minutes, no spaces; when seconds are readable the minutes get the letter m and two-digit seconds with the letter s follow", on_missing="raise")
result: 3h39m58s
